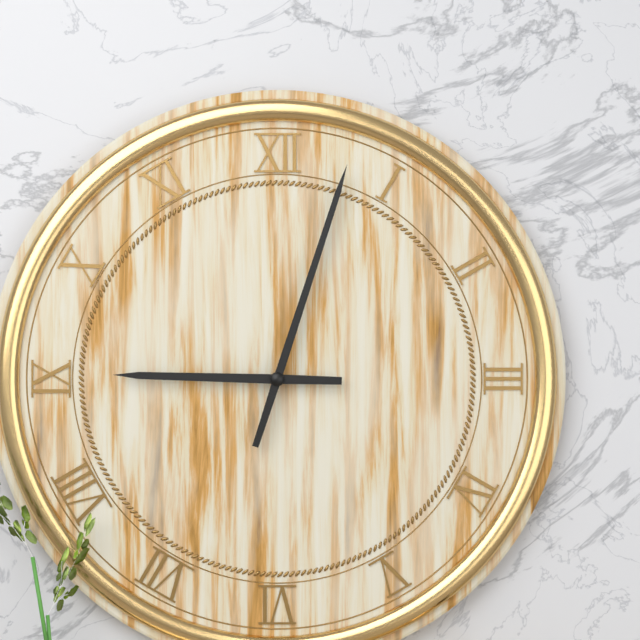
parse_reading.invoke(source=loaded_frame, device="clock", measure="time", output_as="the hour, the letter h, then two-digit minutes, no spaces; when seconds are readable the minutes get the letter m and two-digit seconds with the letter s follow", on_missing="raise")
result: 9h03
